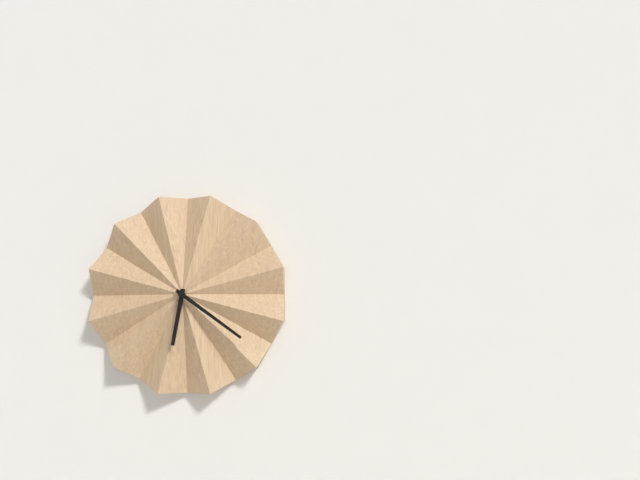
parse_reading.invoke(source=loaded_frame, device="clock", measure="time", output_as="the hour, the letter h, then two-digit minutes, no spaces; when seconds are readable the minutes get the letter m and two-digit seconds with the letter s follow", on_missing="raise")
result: 6h21
